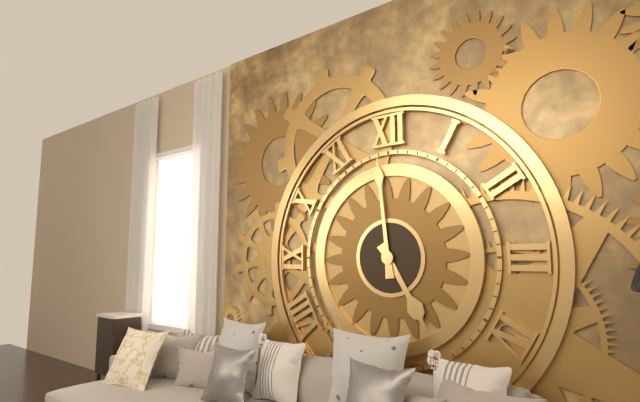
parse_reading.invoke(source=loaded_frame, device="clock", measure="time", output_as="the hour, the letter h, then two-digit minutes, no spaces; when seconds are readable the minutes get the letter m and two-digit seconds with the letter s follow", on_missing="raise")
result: 4h59
